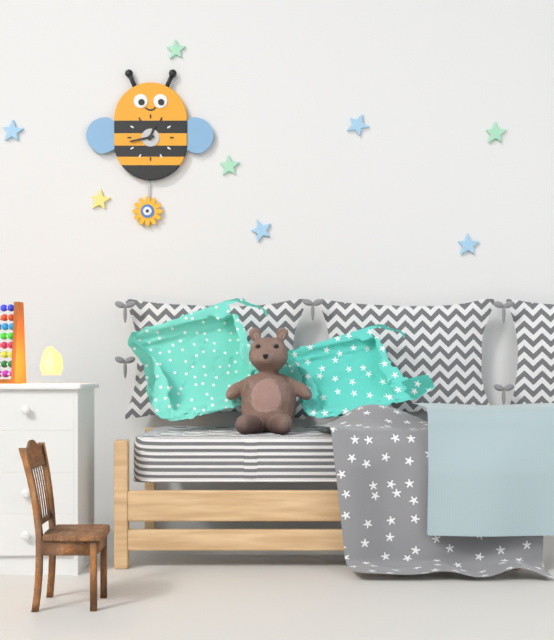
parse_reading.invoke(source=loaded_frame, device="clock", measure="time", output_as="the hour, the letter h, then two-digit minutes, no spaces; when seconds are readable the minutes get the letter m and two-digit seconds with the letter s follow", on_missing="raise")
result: 12h43
